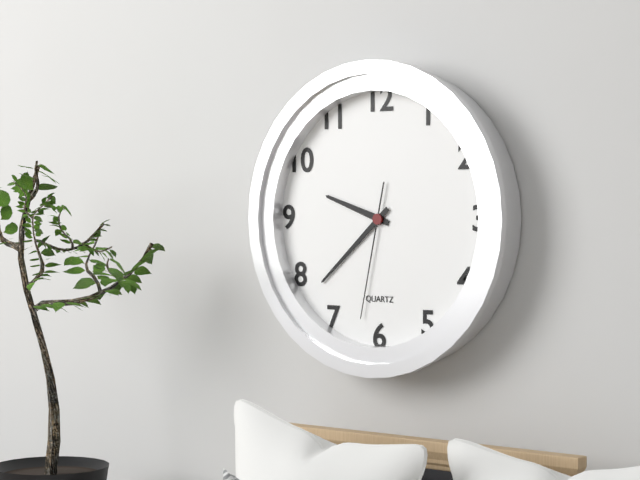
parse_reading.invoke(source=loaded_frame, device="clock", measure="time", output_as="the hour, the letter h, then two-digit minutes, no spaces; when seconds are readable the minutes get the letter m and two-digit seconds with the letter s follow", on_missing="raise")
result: 9h38m32s
